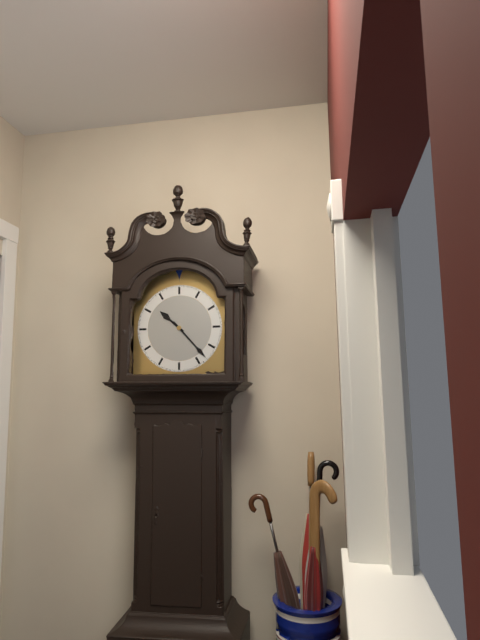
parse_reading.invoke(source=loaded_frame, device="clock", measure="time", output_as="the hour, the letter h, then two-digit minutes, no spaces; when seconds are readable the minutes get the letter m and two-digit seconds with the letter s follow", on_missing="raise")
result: 10h23
